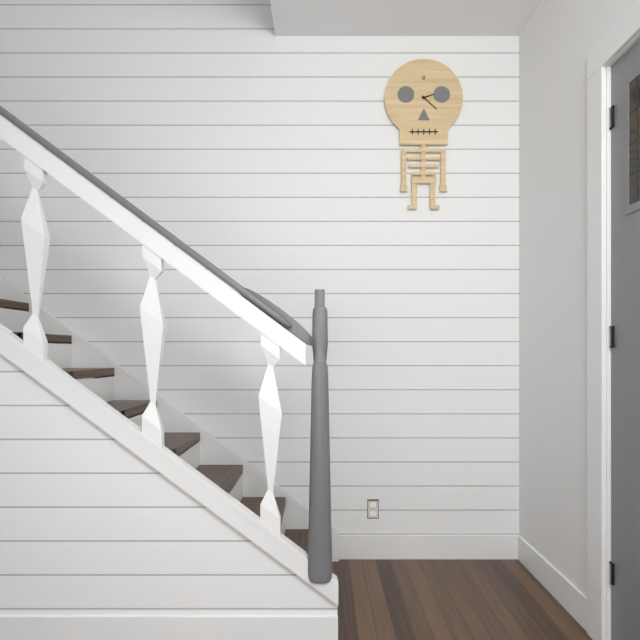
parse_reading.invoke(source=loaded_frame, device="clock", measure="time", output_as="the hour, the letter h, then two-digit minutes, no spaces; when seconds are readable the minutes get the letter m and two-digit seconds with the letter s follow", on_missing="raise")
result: 2h22
